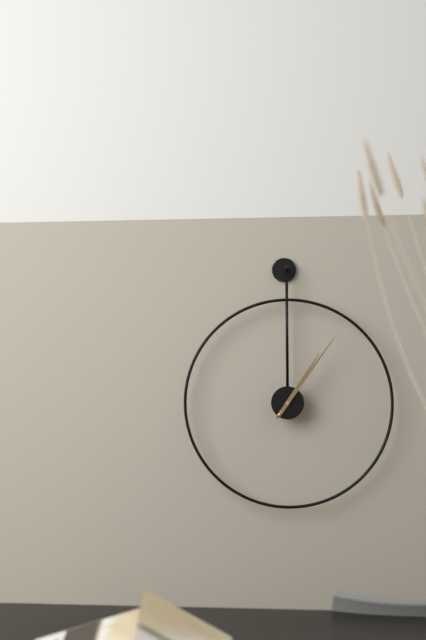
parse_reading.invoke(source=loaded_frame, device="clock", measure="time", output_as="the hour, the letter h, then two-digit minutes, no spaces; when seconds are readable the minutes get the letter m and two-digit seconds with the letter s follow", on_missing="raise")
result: 1h06
